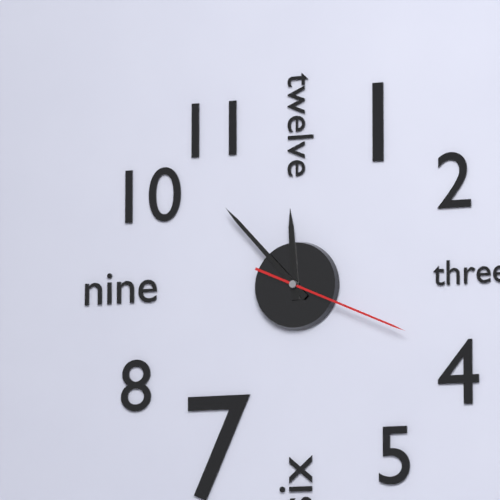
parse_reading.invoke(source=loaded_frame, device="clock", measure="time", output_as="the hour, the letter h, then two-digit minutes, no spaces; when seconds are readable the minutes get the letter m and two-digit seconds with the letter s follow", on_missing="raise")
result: 11h53m19s
